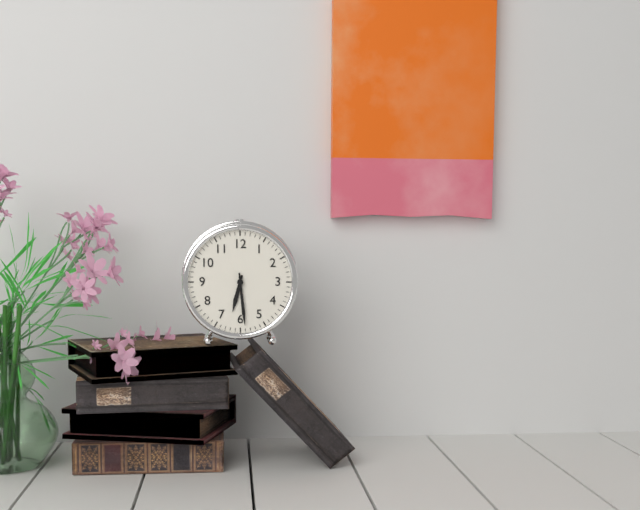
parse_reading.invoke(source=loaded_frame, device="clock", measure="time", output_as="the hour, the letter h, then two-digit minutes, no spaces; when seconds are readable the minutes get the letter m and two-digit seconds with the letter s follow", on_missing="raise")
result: 6h29
